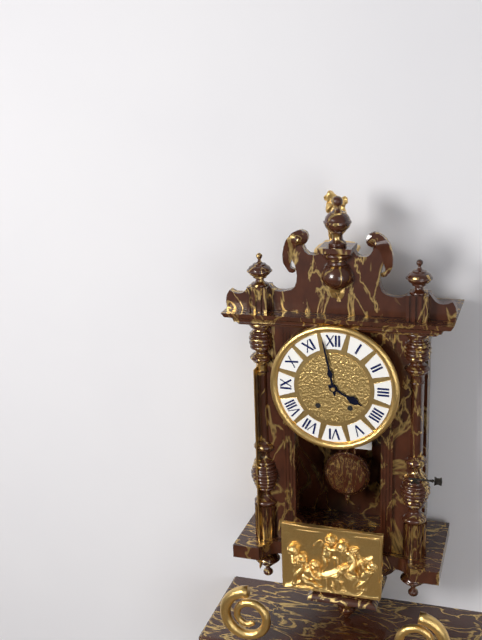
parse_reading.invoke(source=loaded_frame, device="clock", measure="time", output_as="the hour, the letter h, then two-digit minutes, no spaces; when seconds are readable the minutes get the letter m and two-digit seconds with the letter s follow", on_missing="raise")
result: 3h58
